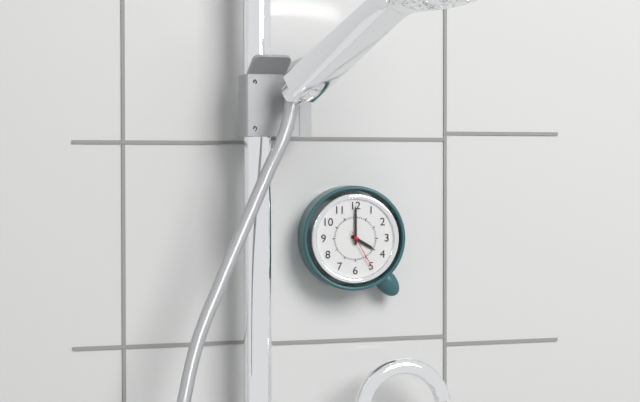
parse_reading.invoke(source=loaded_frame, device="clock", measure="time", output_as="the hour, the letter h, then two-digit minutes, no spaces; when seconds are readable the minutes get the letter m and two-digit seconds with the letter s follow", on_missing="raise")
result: 4h00
